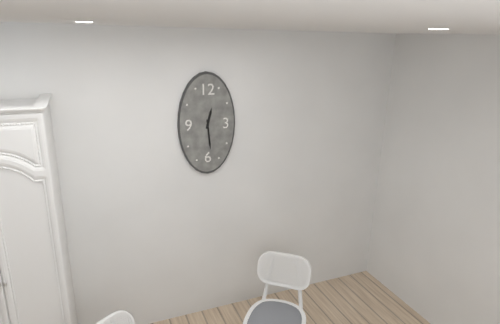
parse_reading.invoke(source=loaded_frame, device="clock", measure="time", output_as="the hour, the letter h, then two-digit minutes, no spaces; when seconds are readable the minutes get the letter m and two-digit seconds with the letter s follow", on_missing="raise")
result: 12h29
